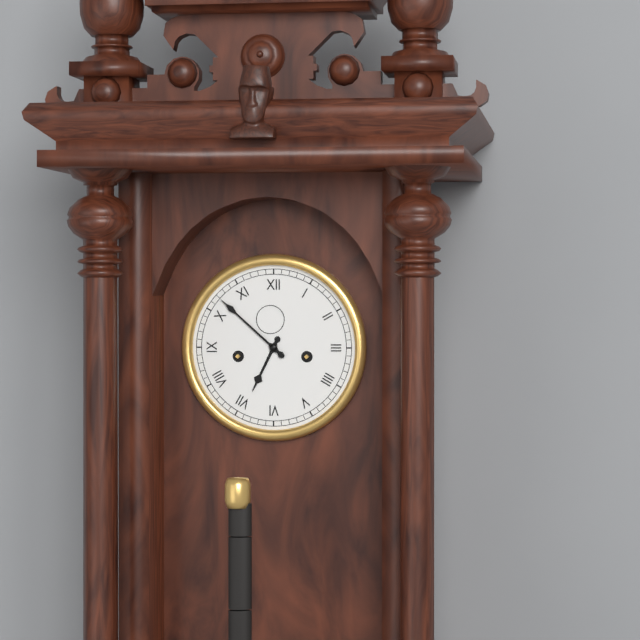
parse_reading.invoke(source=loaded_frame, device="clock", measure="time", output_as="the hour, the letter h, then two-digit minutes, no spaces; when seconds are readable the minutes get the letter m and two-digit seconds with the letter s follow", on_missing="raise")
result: 6h52
